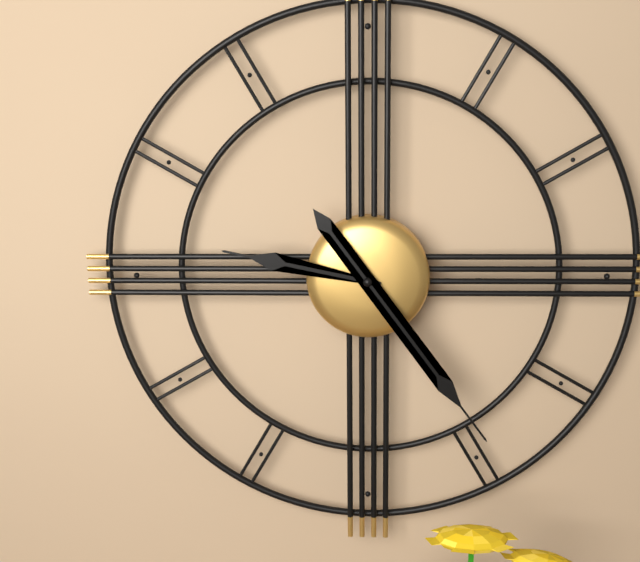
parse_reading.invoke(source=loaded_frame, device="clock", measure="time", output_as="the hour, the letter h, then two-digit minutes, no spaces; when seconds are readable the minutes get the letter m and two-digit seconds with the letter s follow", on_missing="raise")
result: 9h24
